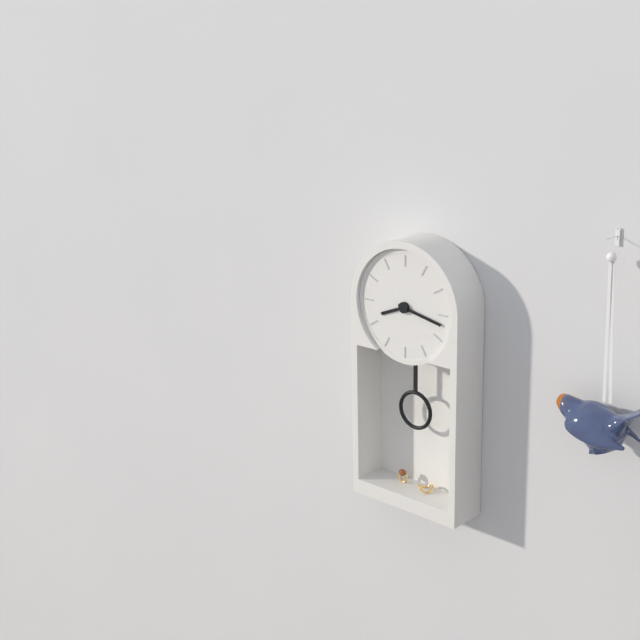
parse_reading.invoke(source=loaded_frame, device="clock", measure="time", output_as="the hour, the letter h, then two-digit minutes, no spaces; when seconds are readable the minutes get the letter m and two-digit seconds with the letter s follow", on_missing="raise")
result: 8h17
